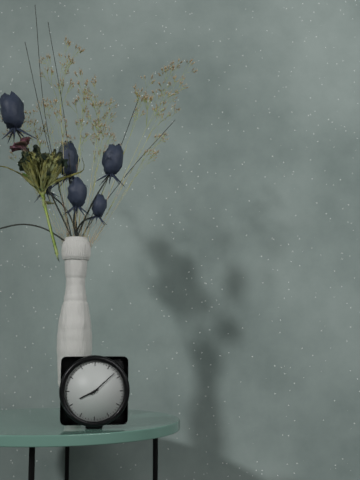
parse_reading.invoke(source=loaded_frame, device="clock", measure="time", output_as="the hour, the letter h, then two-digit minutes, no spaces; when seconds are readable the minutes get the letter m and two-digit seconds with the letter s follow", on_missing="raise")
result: 8h08
